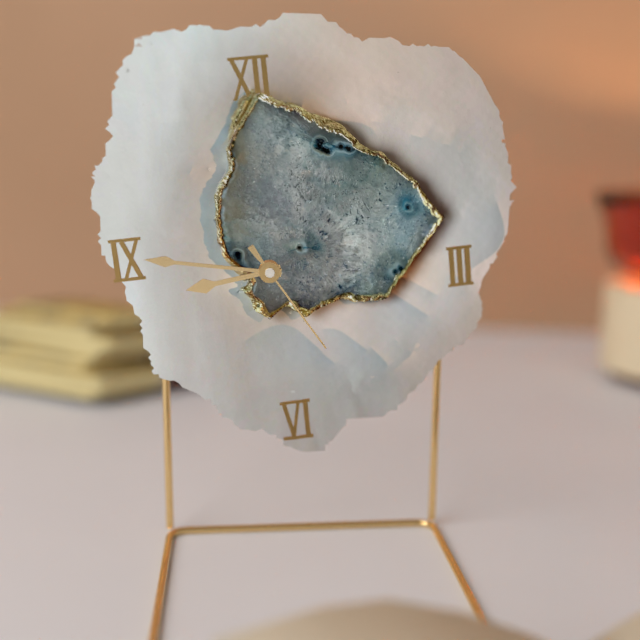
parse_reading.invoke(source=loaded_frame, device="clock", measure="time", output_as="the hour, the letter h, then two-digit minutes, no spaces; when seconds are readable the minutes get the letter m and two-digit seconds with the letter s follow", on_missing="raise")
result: 8h47m25s
